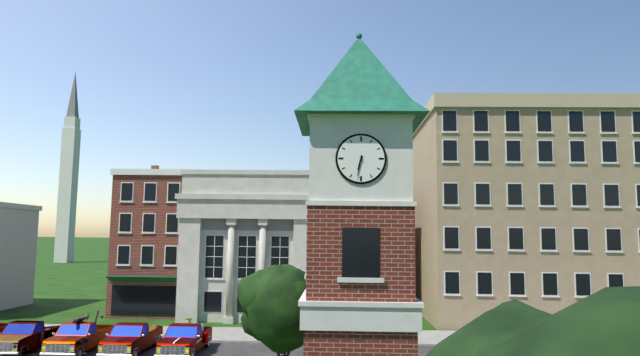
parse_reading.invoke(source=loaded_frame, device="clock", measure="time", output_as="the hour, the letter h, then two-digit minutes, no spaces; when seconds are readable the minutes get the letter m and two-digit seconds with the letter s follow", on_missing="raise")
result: 6h32
